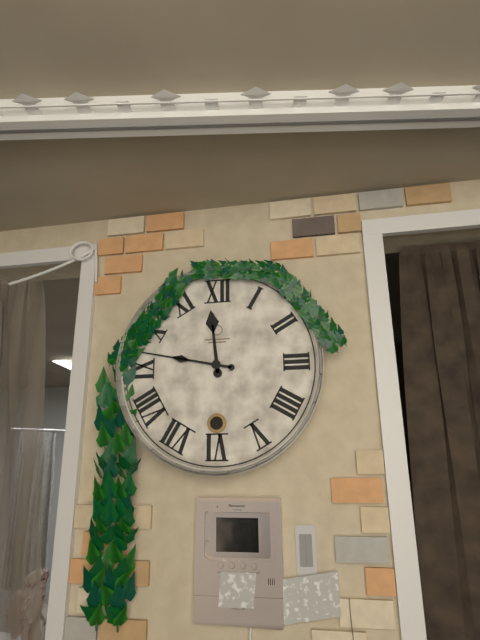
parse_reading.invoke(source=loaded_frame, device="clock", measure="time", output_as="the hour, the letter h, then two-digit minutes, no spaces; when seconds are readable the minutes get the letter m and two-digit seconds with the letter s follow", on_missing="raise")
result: 11h47
